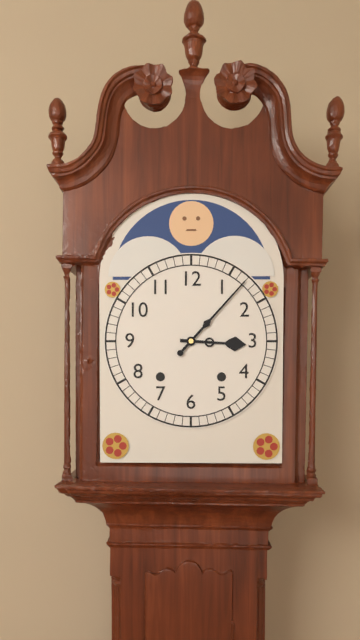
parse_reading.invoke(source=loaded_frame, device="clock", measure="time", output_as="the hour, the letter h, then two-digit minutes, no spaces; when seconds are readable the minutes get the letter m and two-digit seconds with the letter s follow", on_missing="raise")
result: 3h07
